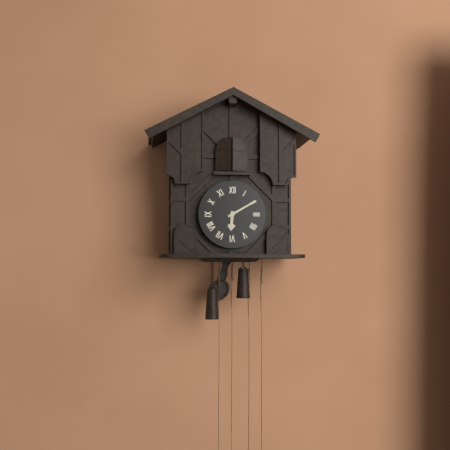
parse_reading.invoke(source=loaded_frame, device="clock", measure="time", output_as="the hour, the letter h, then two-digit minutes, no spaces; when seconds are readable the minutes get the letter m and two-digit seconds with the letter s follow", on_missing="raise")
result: 6h10
